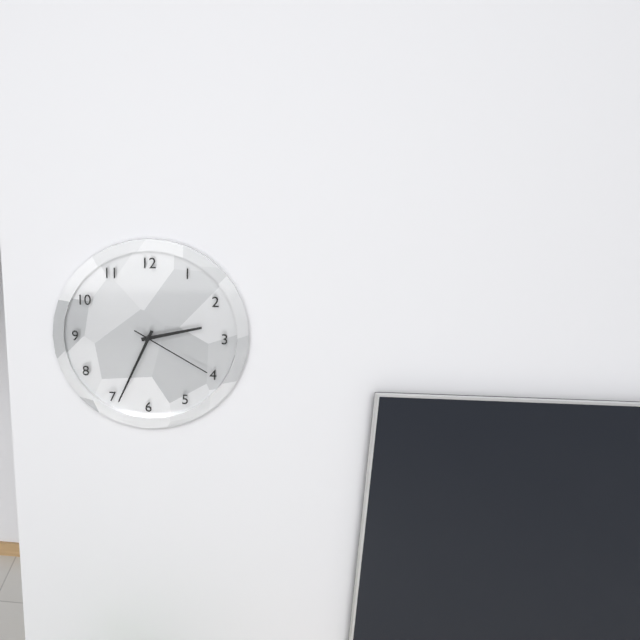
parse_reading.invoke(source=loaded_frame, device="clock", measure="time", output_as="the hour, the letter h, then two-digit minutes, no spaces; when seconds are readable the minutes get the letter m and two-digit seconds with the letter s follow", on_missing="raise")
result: 2h34m20s
